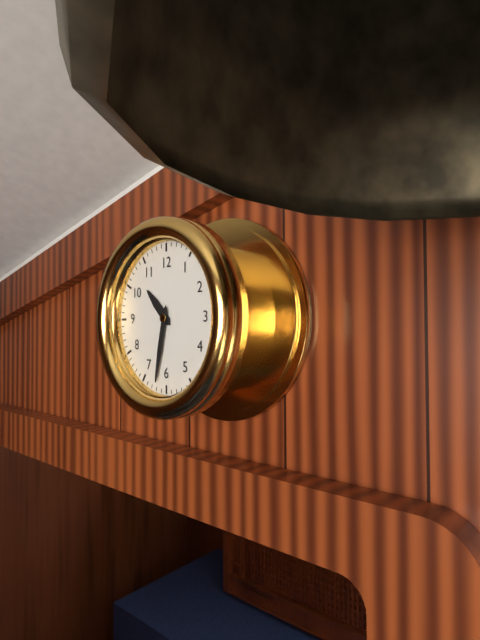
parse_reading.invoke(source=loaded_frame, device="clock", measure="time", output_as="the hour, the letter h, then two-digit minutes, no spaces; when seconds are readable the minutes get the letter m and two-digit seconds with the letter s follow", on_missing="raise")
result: 10h32
